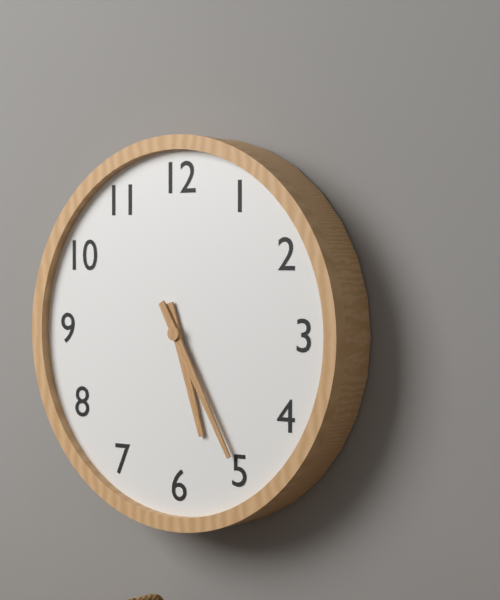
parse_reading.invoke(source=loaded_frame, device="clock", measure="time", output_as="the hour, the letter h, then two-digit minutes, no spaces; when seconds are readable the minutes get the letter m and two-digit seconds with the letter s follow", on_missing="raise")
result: 5h25
